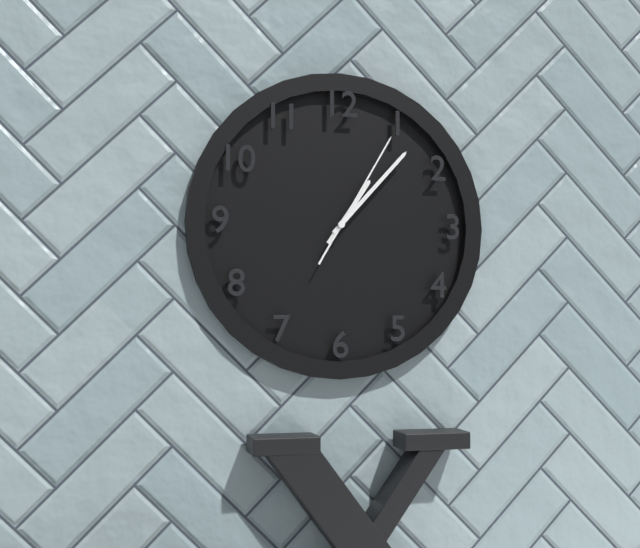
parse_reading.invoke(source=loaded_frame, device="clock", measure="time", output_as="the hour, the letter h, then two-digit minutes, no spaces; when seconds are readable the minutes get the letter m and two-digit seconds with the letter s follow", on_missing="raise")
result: 1h07m05s
